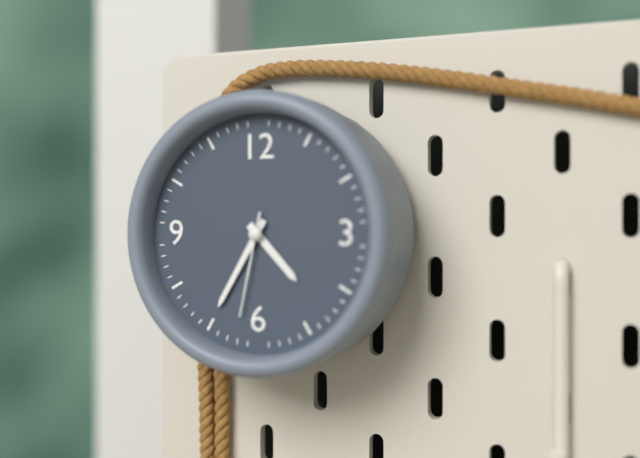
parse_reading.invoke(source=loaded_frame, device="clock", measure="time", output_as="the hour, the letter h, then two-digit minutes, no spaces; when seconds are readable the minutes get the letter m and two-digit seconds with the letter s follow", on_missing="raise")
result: 4h35m32s
